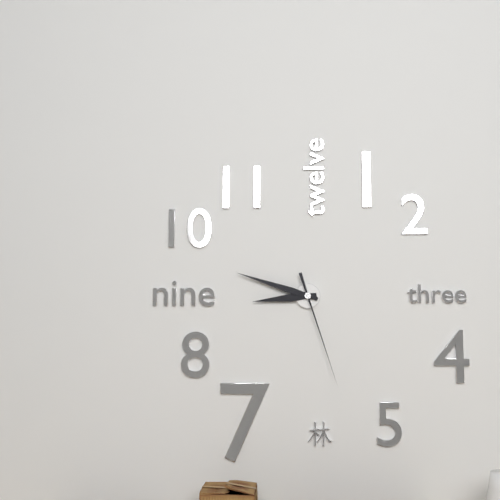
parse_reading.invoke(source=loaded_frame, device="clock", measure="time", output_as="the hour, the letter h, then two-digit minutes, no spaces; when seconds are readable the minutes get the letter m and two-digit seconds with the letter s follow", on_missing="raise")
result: 8h48m27s
